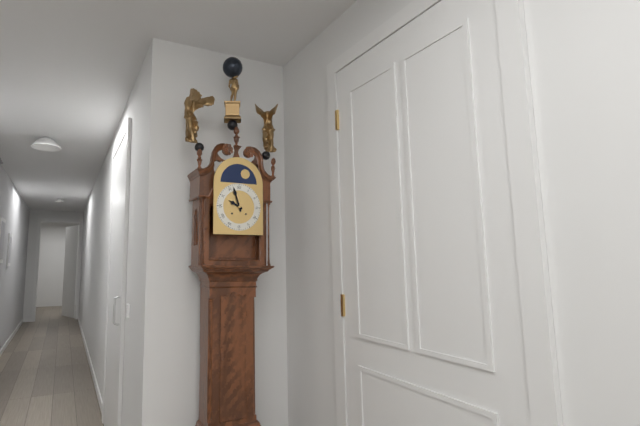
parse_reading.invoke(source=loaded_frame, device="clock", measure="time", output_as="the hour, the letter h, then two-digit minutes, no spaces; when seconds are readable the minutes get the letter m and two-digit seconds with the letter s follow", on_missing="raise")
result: 9h57
